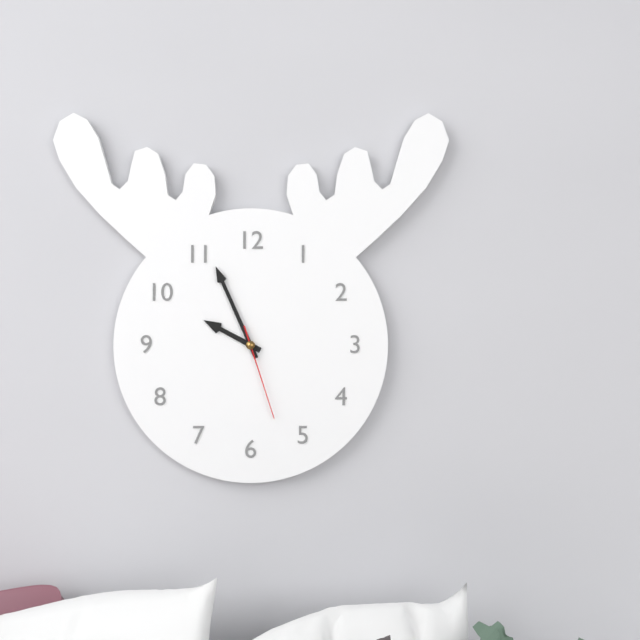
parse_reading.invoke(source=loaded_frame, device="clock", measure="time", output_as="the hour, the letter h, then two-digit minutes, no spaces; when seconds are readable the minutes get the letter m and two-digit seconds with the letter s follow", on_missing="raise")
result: 9h56m27s
